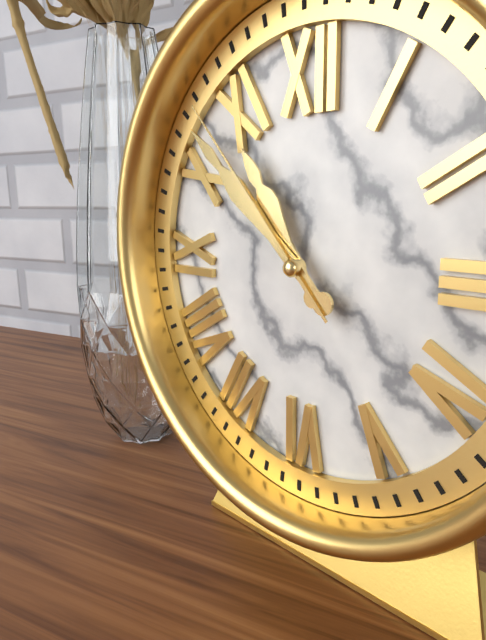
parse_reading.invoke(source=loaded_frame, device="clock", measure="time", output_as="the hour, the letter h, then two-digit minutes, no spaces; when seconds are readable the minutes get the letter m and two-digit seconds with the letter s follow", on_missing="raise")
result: 10h52m53s
